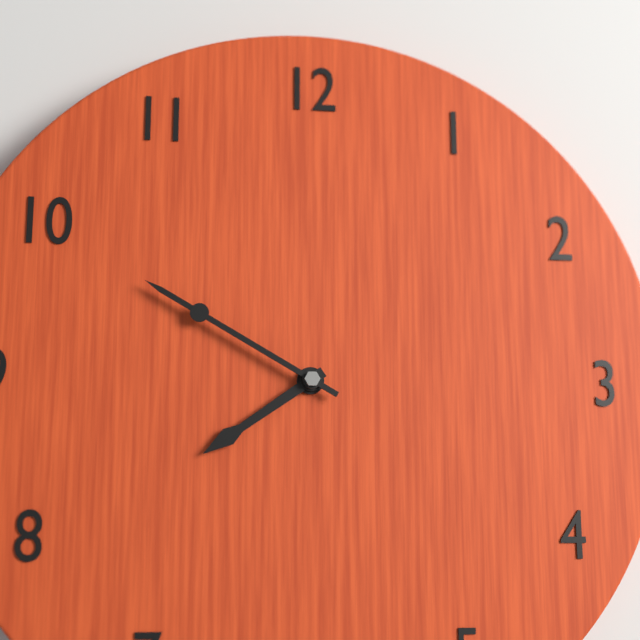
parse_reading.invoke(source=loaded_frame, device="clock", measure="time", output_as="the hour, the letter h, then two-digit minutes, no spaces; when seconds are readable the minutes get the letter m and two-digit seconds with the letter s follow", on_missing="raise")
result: 7h50
